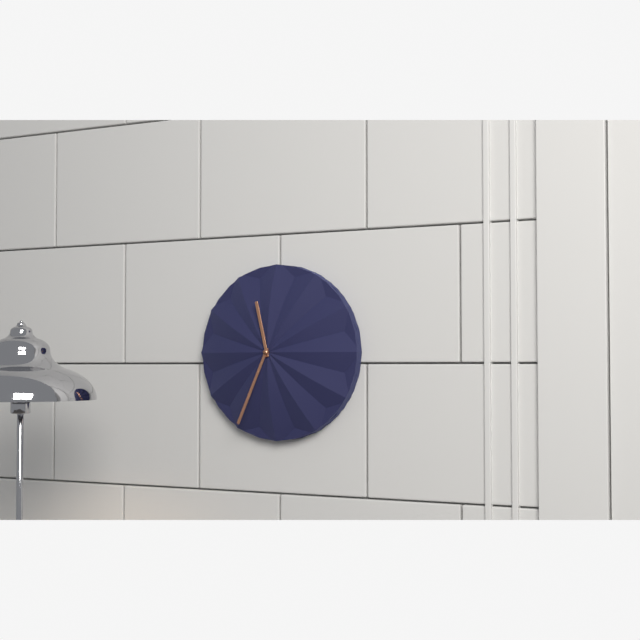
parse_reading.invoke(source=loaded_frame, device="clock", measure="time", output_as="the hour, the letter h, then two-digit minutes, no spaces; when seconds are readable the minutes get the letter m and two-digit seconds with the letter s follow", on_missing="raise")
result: 11h34
